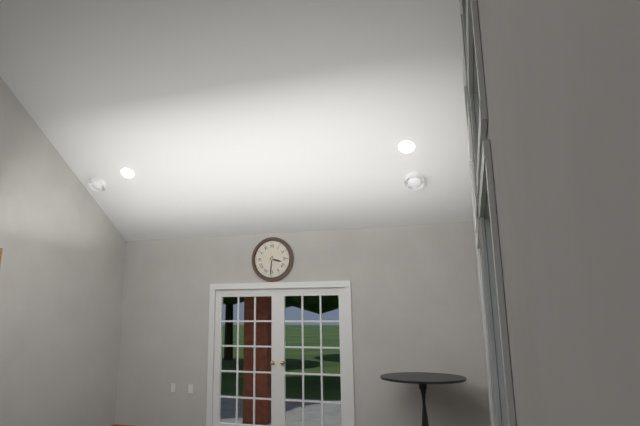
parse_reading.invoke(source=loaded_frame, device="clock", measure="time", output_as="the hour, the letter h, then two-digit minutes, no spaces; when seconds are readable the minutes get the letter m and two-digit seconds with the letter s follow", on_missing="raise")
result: 3h31
